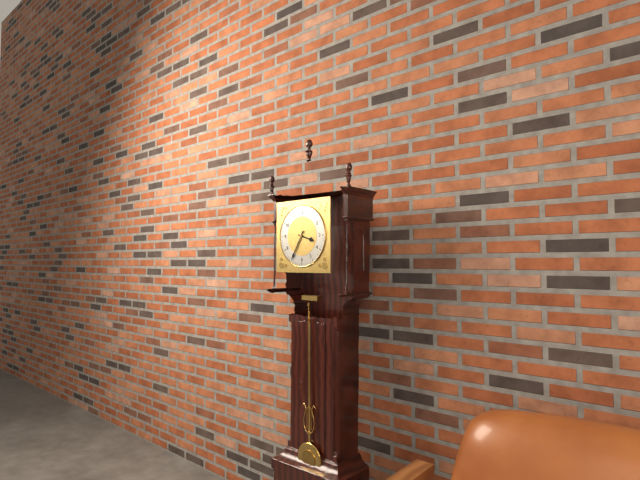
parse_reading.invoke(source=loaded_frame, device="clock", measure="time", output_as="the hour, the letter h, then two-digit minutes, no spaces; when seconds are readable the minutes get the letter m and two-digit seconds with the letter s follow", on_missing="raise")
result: 3h35
